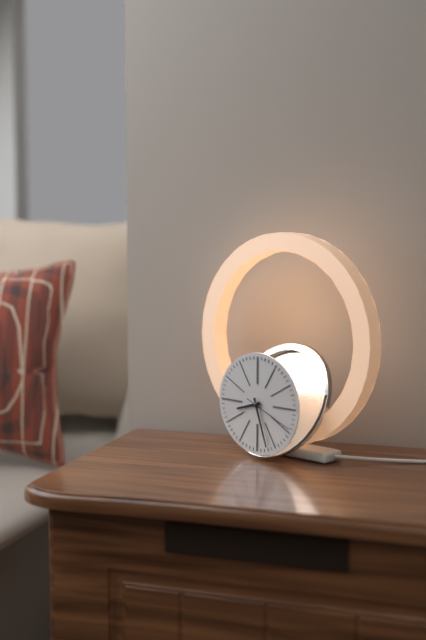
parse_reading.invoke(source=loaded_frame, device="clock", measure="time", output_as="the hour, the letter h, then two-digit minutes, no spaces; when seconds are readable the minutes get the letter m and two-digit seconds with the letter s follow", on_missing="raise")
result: 8h27m19s
